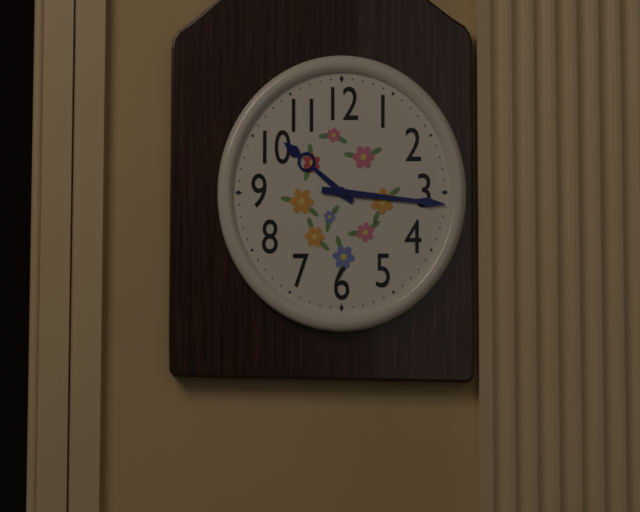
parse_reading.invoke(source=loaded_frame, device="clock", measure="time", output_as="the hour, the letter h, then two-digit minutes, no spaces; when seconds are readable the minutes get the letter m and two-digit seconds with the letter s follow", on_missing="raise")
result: 10h16
